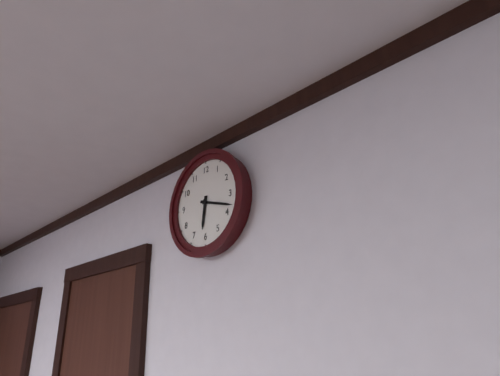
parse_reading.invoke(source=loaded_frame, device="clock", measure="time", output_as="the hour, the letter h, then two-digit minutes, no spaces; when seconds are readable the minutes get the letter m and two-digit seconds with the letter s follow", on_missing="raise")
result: 6h18
